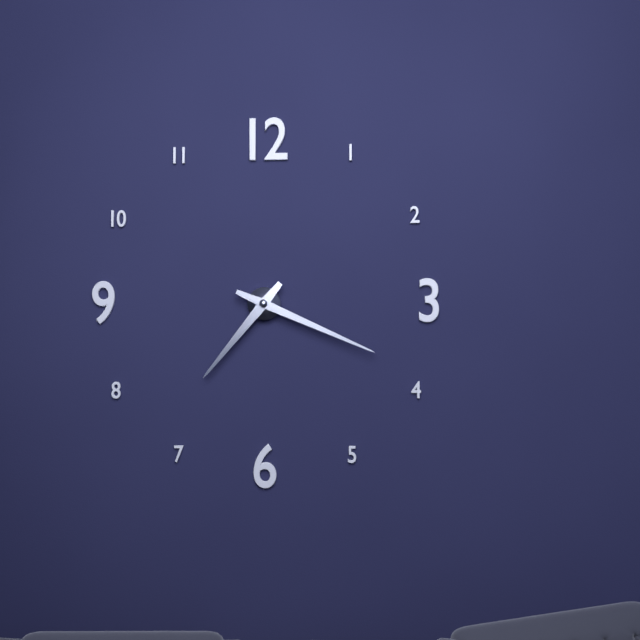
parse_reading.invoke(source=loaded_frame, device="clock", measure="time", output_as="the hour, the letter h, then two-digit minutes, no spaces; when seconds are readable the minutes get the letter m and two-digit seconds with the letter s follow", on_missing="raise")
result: 7h19
